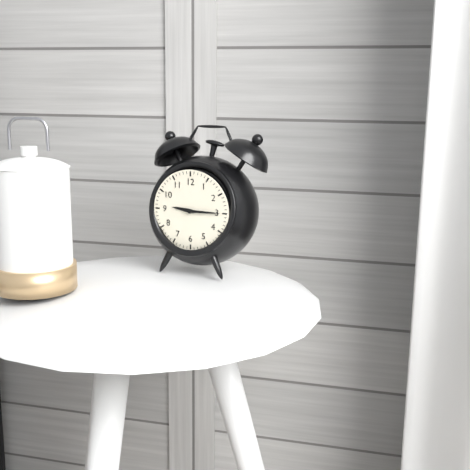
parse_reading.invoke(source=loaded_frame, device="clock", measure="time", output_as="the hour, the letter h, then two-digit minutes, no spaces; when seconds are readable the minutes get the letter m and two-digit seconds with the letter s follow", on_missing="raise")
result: 9h15
